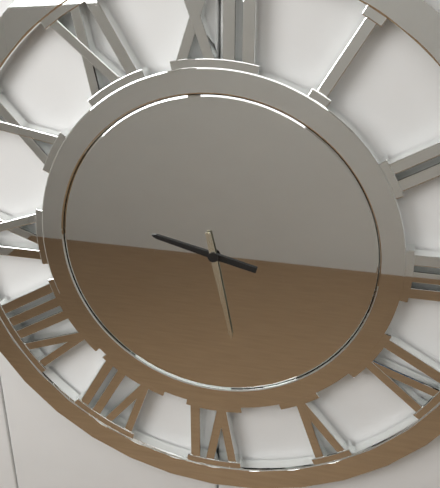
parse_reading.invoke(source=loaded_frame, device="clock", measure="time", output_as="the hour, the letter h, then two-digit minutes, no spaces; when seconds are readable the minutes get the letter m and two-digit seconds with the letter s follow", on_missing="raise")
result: 9h28
